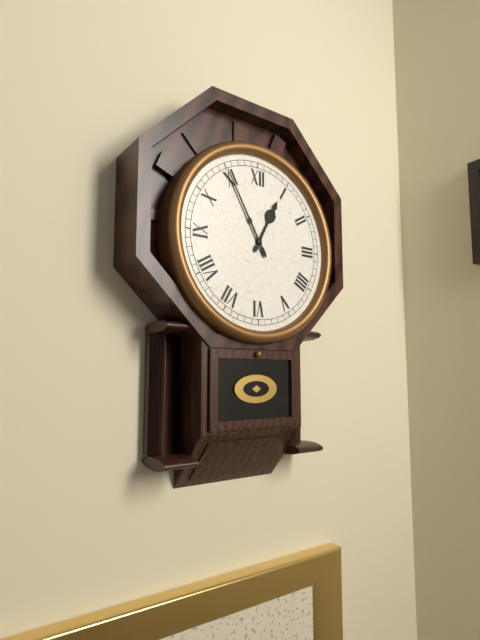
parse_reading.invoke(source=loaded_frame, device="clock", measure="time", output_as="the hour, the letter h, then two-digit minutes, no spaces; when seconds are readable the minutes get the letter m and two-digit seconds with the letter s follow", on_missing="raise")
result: 12h55
